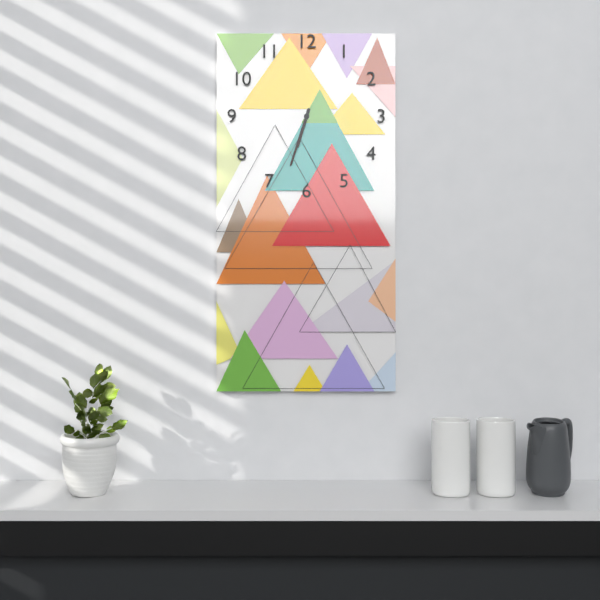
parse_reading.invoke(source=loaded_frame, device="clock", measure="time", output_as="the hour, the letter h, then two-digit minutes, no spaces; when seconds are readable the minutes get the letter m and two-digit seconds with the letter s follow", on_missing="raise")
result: 6h33
